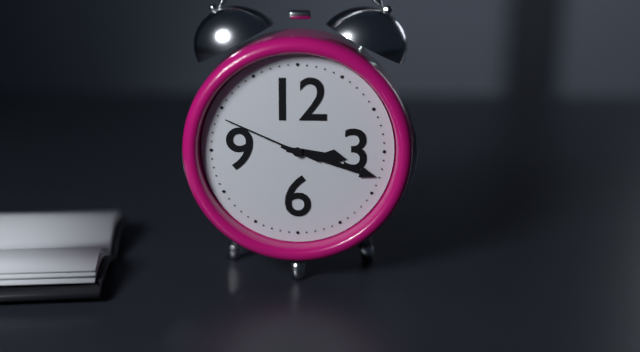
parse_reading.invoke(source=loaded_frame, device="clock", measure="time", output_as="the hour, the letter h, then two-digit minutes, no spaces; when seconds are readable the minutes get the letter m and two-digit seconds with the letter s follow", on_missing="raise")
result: 3h18m49s
